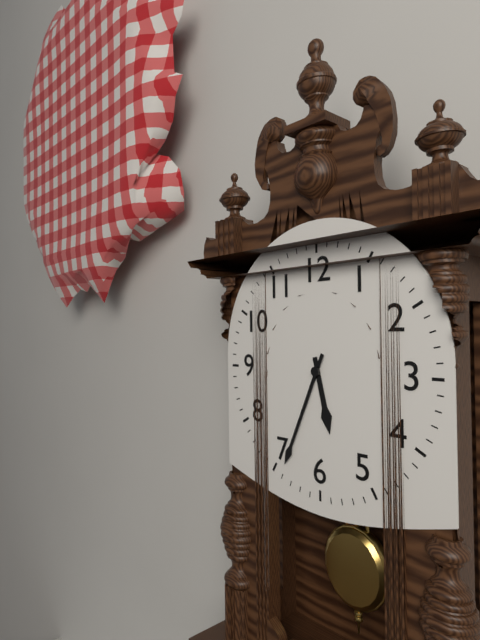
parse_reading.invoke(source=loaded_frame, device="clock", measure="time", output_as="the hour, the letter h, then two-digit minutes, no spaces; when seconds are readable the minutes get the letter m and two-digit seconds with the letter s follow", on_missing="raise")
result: 5h34
